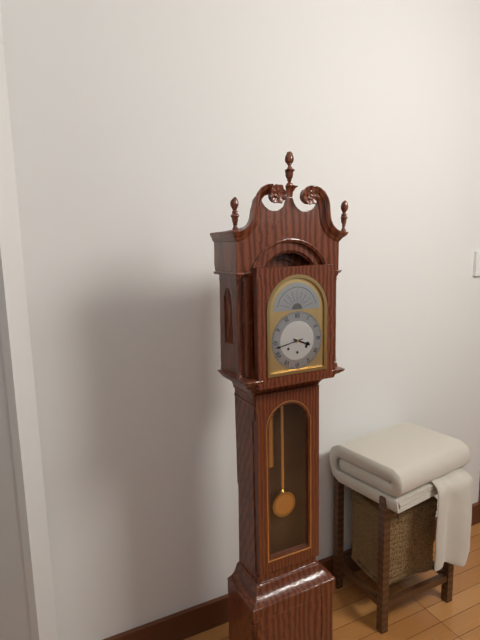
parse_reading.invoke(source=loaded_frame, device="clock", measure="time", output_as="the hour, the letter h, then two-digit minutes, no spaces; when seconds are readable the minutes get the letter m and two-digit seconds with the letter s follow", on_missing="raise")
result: 3h43
